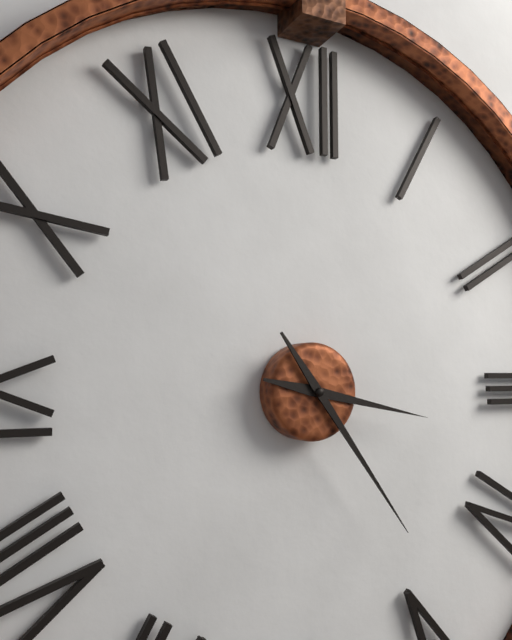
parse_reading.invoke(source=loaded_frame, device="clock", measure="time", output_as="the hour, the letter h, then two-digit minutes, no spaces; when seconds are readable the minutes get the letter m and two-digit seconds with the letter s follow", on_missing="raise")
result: 3h24
